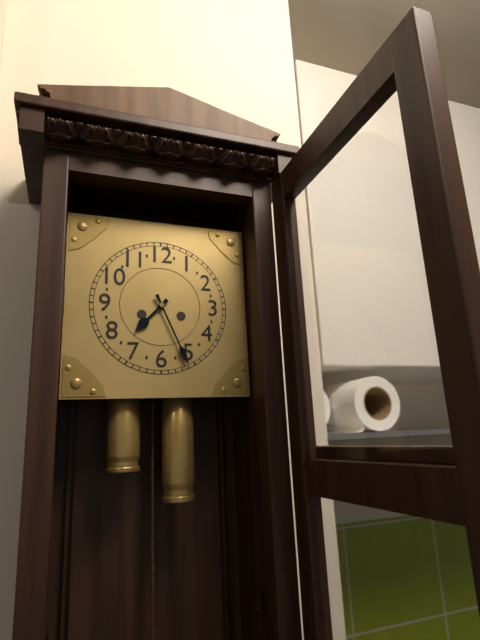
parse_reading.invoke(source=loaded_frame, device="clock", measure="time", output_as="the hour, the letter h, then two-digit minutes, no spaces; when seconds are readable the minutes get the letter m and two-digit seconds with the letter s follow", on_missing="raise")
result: 7h26
